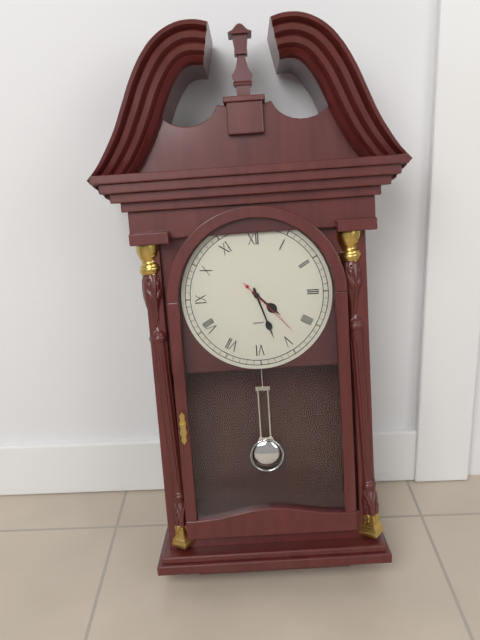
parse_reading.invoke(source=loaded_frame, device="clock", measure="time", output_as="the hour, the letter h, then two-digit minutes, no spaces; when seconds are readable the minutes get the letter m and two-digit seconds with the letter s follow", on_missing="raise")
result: 4h27m23s
